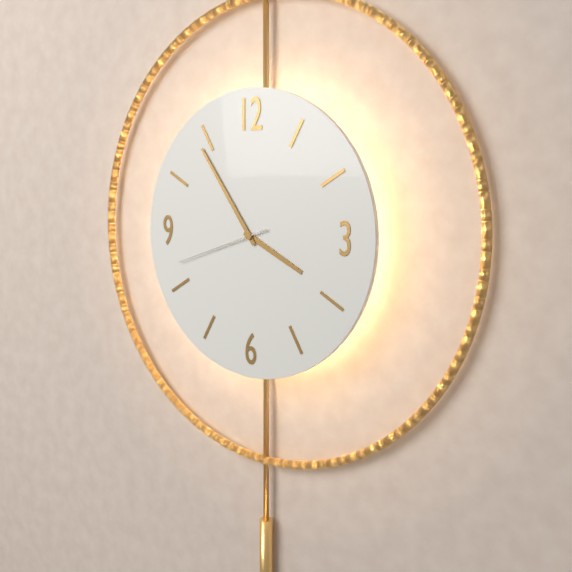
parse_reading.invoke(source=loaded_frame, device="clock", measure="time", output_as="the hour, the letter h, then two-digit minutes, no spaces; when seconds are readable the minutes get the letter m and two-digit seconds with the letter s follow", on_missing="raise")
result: 3h54m42s
